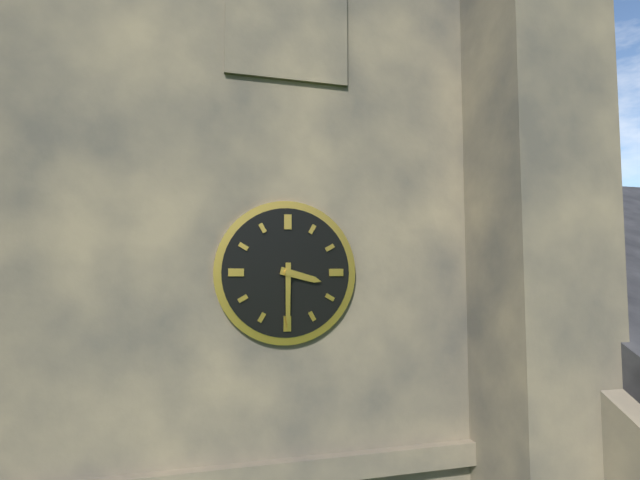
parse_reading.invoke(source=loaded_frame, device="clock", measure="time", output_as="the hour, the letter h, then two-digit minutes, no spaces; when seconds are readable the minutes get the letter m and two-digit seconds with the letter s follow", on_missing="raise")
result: 3h30
